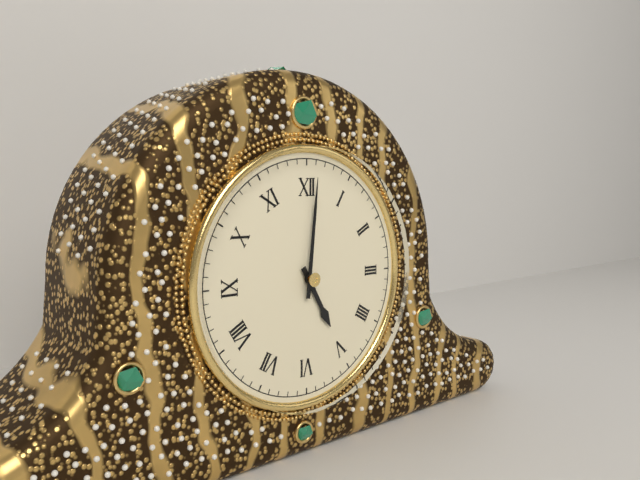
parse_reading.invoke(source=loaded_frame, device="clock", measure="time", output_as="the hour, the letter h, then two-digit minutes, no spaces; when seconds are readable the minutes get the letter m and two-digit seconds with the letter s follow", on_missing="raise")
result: 5h01
